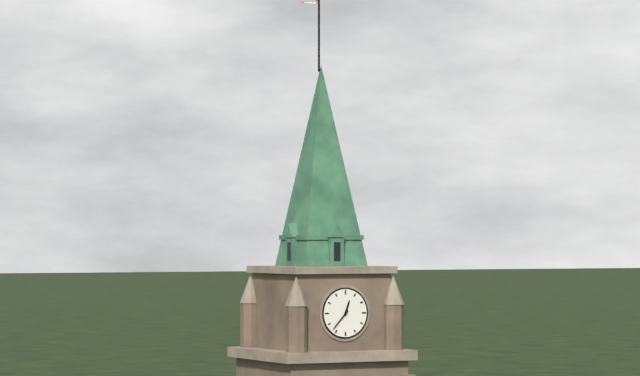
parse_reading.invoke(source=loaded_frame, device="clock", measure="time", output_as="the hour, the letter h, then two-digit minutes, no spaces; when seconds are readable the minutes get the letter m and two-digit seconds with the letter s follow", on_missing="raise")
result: 12h37
